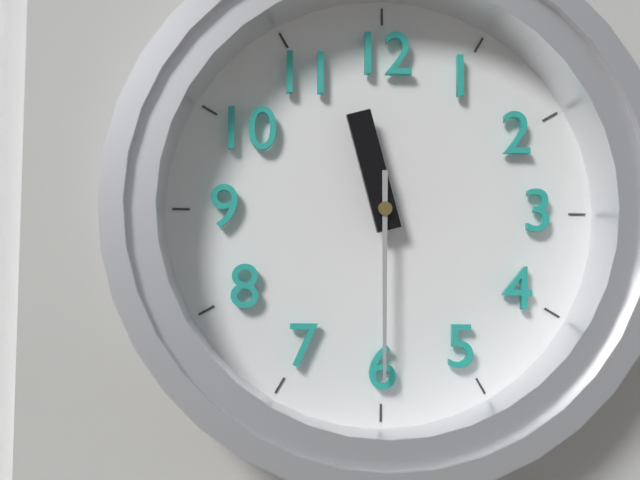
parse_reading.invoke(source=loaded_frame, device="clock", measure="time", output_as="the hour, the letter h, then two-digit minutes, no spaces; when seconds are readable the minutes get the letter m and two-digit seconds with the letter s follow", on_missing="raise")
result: 11h30
